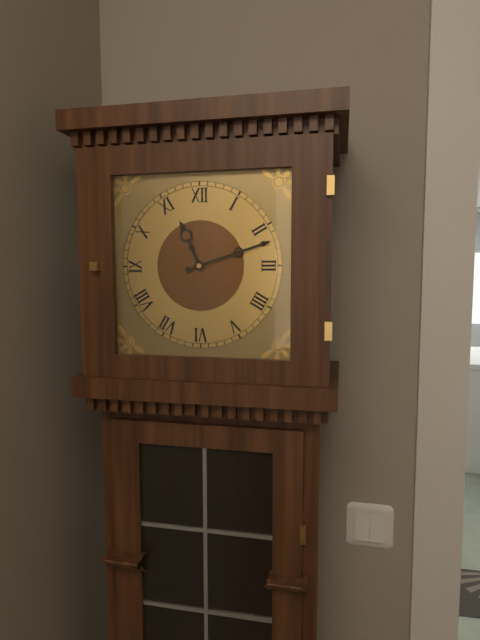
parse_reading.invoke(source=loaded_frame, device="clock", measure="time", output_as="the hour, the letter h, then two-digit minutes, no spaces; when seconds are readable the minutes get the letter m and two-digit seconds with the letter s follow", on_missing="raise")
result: 11h12
